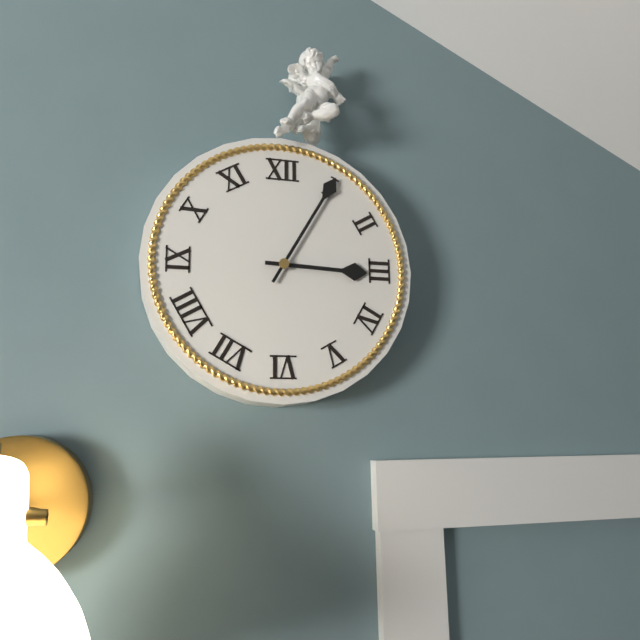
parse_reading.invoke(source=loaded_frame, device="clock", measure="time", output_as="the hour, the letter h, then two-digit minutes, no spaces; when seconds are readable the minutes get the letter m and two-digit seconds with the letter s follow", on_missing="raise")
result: 3h05
